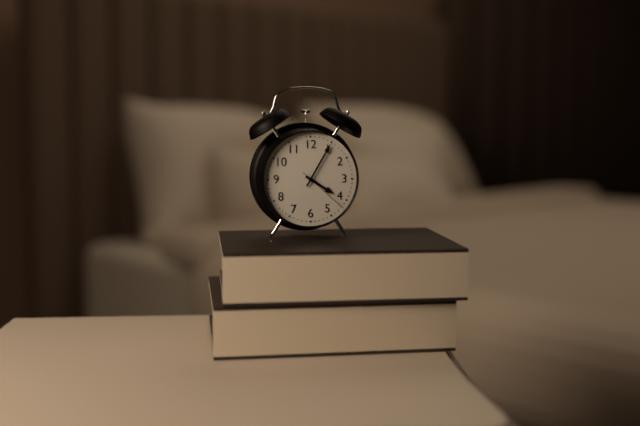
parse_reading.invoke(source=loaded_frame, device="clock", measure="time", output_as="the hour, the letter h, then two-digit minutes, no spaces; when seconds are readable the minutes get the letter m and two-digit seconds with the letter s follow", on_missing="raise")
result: 4h05m22s
